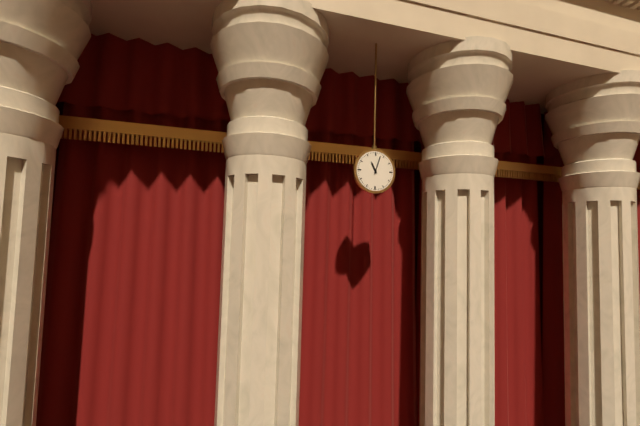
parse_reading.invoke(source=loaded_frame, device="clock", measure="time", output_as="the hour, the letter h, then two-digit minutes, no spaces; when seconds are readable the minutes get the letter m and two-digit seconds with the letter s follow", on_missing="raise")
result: 11h03
